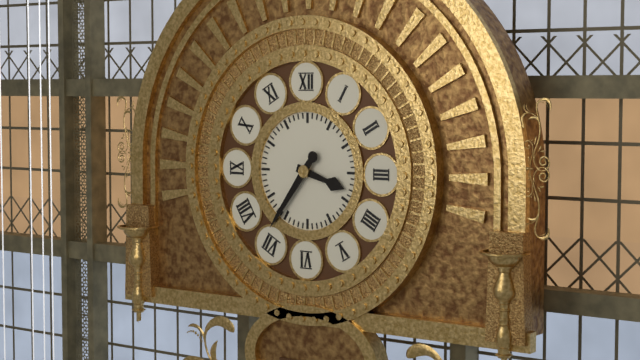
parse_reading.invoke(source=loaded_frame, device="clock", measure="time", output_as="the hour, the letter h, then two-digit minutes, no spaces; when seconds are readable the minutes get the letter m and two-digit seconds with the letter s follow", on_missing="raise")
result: 3h36
